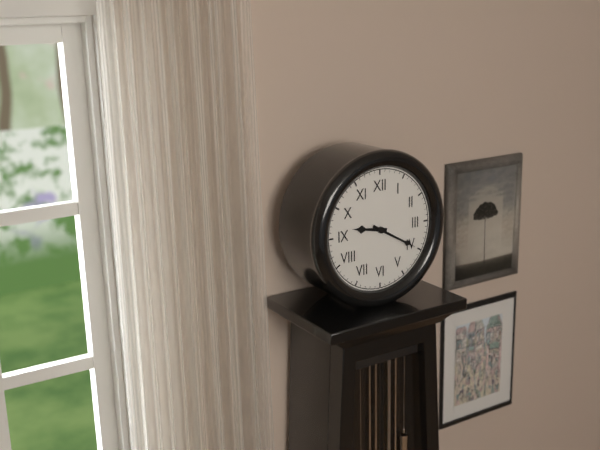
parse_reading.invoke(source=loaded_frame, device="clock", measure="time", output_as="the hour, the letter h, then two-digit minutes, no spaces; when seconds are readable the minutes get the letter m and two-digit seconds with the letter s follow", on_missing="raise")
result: 9h20
